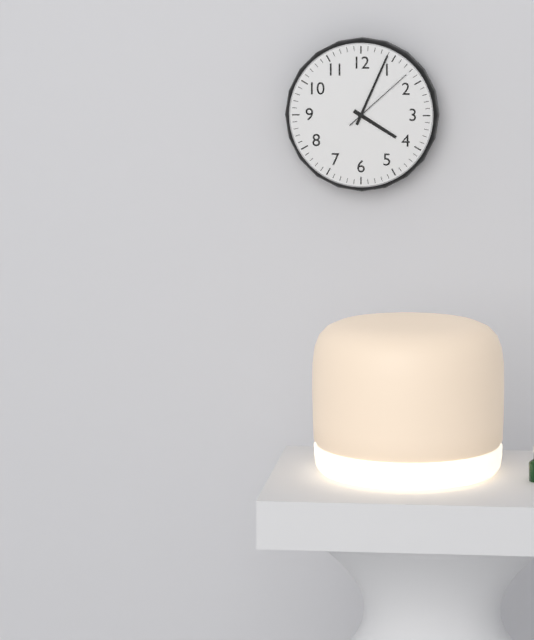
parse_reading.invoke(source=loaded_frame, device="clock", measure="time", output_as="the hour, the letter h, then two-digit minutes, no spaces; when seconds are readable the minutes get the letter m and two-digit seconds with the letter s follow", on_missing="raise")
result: 4h04m08s
